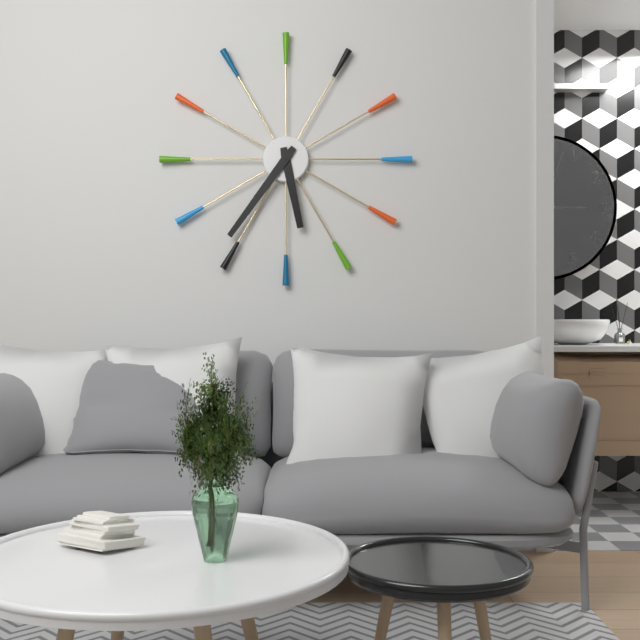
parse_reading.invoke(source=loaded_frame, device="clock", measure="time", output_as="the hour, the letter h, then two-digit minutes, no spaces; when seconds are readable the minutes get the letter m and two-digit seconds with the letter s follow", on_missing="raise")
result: 5h36
